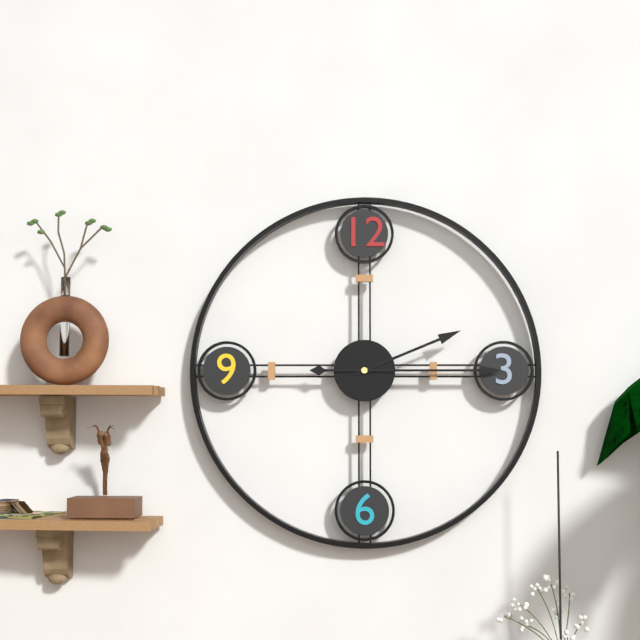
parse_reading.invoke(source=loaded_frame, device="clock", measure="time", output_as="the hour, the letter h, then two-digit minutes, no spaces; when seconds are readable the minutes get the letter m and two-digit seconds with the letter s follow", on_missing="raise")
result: 2h15
